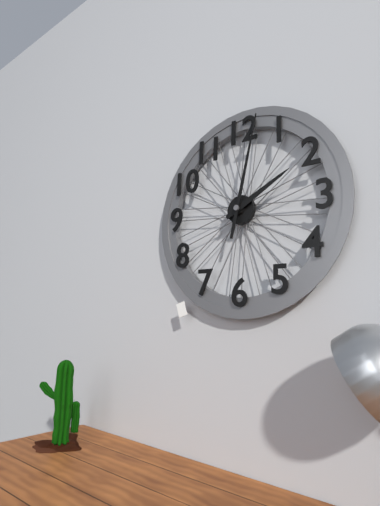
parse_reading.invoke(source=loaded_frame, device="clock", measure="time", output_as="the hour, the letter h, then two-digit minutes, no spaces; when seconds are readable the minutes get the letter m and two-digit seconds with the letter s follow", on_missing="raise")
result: 2h02
